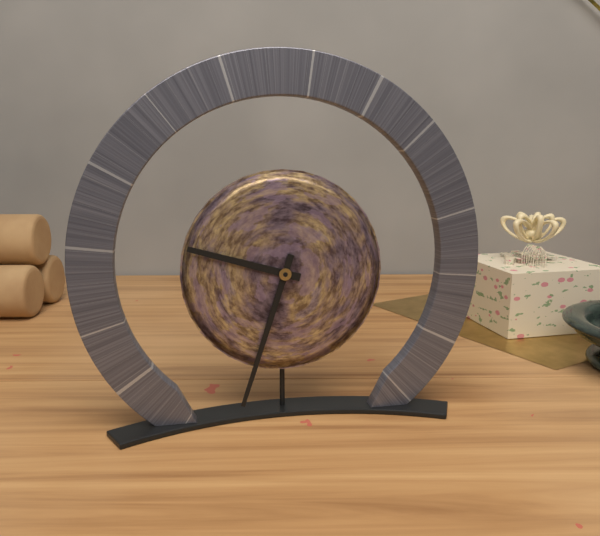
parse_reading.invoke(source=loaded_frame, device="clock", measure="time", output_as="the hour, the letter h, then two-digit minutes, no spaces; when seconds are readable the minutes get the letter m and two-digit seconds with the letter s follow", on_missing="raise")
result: 9h33
